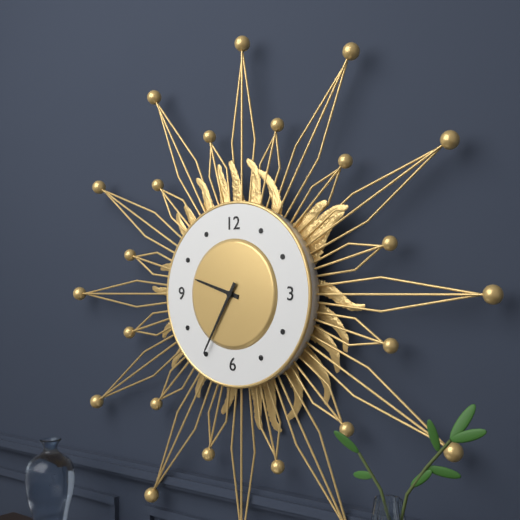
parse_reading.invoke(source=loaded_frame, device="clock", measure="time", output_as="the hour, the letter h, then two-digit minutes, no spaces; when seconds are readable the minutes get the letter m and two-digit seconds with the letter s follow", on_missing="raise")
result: 9h35
